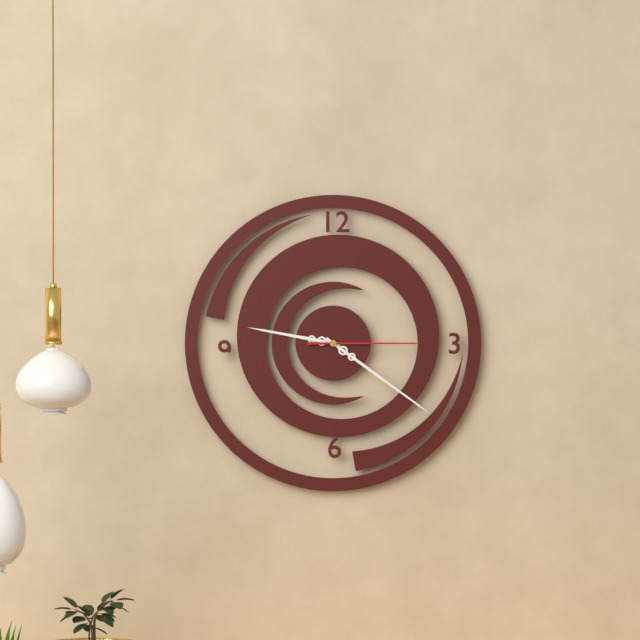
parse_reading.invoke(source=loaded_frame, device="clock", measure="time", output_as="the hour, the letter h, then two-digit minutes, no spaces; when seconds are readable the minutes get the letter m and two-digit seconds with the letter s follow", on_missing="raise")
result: 9h21m15s
